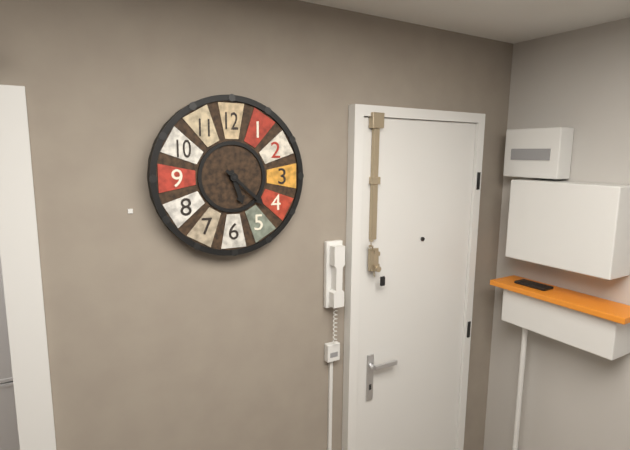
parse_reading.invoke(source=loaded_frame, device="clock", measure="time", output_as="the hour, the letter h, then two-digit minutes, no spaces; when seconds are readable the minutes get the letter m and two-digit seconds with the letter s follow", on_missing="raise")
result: 5h22
